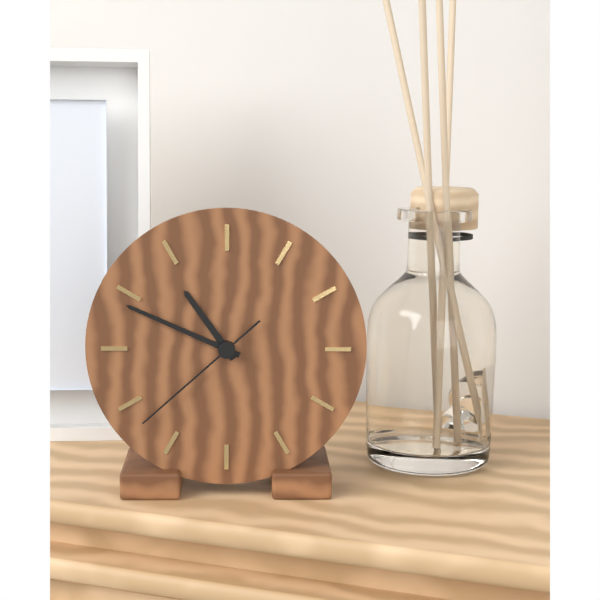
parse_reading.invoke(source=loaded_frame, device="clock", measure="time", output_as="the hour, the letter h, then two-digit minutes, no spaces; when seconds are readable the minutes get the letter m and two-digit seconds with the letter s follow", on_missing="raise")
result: 10h49m38s
